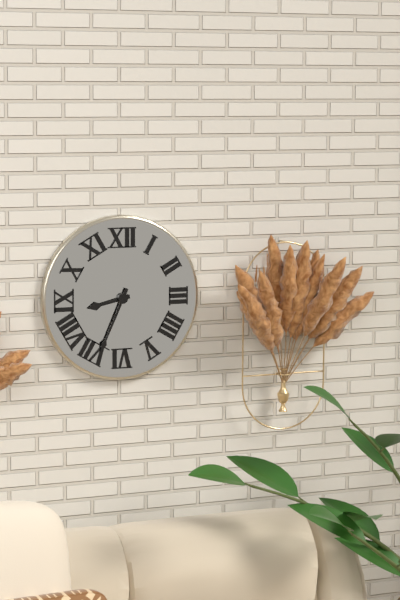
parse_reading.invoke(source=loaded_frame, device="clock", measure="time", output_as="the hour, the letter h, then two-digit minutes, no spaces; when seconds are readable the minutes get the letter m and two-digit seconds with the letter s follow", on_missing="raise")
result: 8h34
